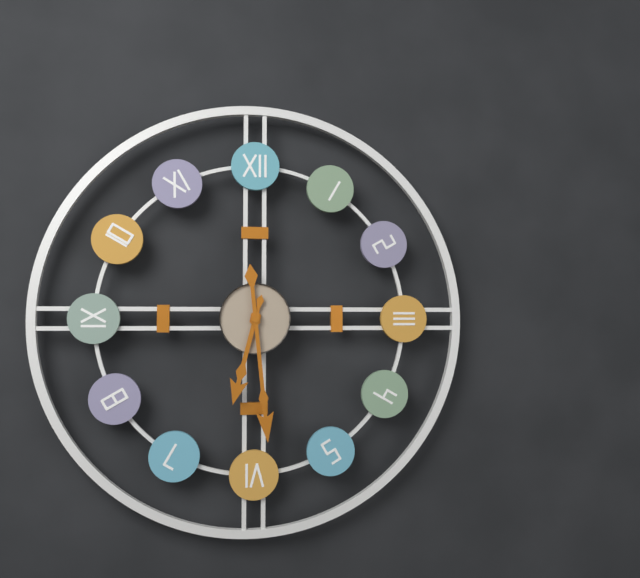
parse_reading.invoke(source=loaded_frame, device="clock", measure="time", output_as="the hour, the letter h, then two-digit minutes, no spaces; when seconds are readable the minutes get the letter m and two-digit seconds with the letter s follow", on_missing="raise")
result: 6h29
